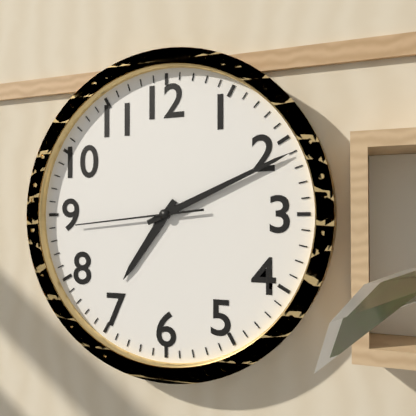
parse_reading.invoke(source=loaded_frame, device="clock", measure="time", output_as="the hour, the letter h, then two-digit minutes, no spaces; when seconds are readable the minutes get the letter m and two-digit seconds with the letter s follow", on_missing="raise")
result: 7h11m44s
